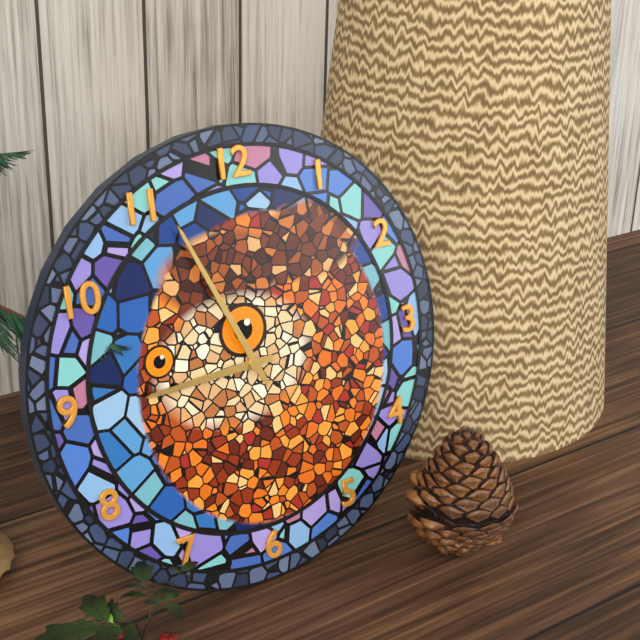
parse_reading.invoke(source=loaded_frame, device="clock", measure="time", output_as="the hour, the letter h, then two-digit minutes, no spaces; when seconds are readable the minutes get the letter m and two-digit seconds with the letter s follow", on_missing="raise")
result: 8h56
